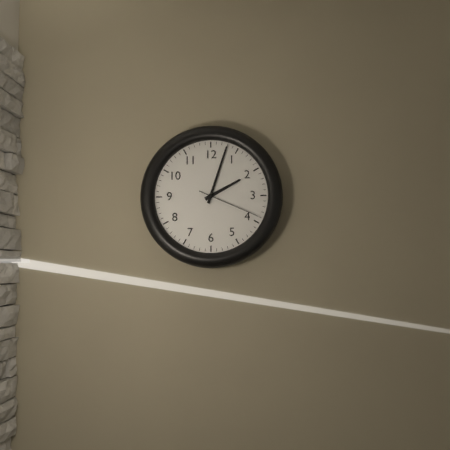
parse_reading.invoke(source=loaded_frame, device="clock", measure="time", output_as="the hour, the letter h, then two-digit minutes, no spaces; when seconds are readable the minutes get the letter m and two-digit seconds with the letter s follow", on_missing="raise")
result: 2h03m19s
